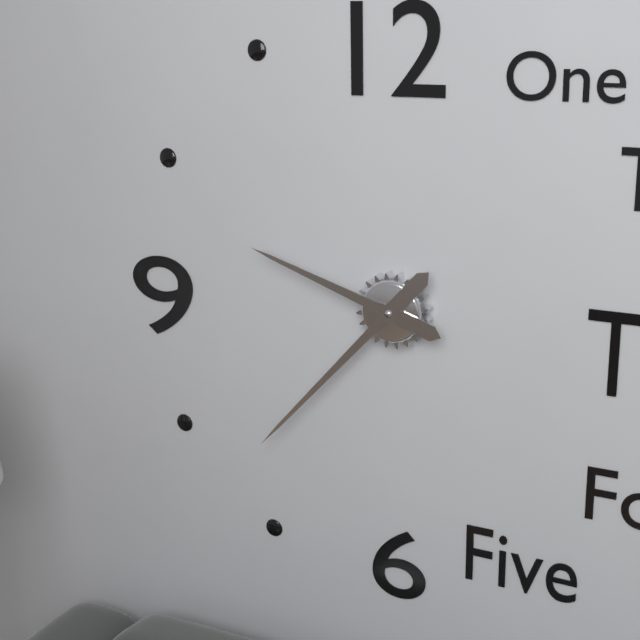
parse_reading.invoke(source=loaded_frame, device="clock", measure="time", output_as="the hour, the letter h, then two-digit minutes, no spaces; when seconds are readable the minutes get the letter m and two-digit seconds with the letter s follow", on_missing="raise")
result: 9h37
